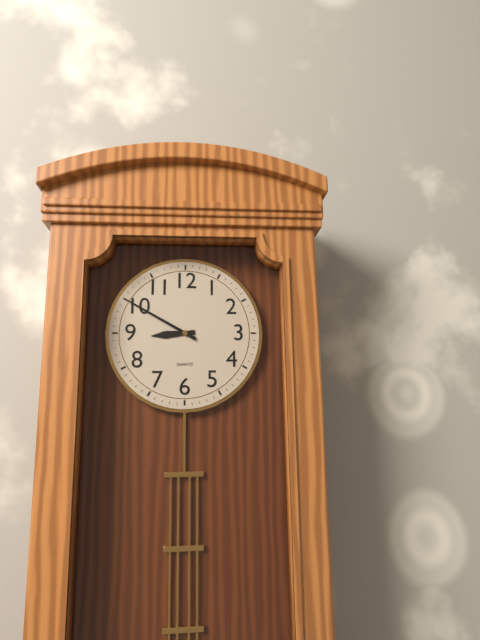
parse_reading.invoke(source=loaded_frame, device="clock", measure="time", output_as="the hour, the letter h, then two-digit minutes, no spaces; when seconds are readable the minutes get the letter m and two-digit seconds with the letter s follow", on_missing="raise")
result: 8h50
